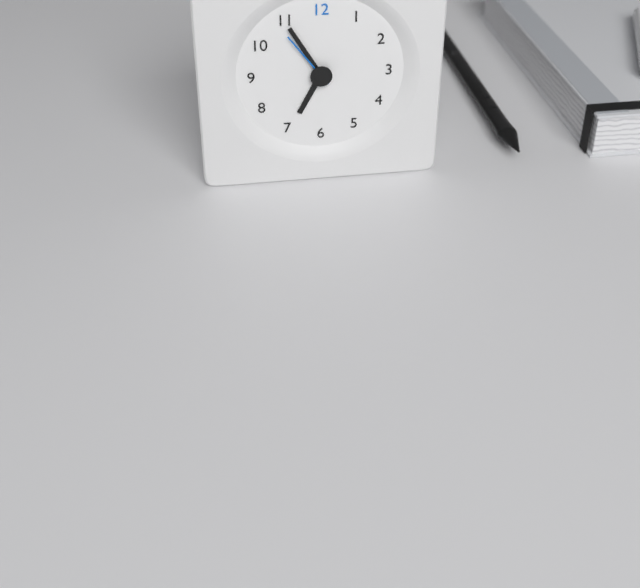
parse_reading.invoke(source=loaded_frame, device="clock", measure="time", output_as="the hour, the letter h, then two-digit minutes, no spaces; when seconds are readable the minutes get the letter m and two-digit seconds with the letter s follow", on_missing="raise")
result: 6h55m54s
